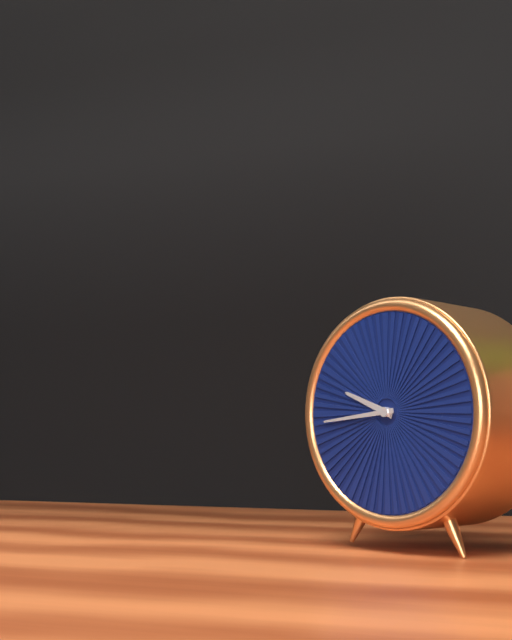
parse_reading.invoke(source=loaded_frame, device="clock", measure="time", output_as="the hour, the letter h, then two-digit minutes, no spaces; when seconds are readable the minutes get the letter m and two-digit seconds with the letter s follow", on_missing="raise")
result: 9h44
